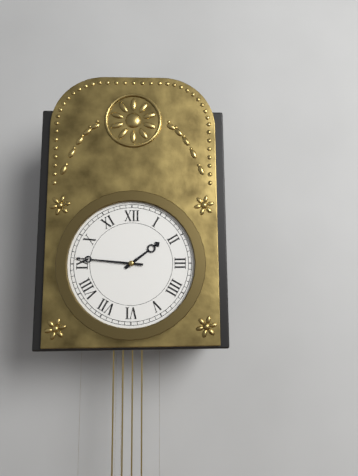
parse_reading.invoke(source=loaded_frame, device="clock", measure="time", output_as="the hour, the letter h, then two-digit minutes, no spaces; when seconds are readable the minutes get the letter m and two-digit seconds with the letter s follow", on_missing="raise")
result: 1h46
